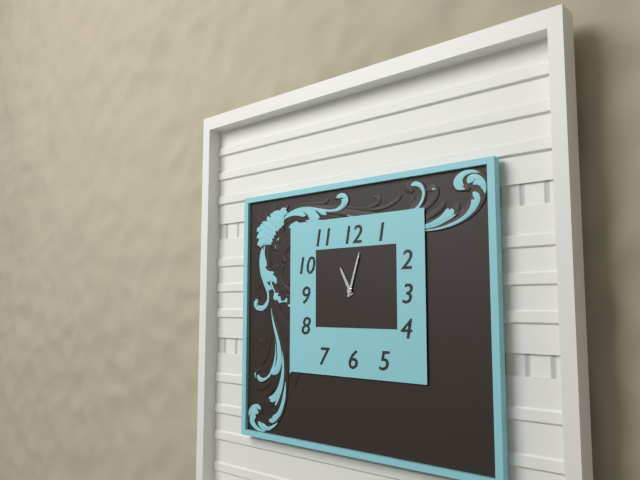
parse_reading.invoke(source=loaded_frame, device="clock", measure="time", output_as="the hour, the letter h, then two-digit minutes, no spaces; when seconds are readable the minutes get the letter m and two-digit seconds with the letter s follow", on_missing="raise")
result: 11h03
